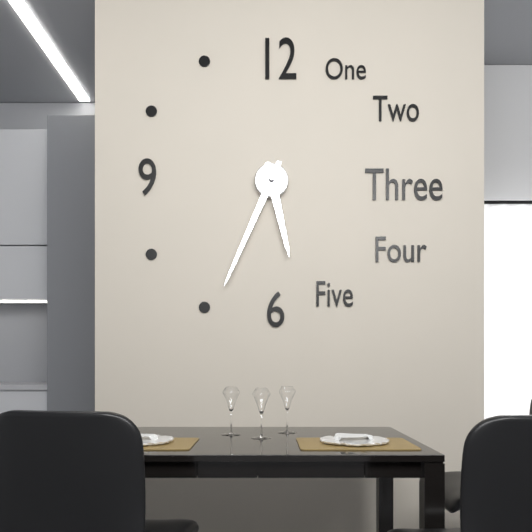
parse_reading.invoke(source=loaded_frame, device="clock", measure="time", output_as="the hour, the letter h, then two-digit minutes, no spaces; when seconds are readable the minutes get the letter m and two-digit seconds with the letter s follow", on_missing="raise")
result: 5h34
